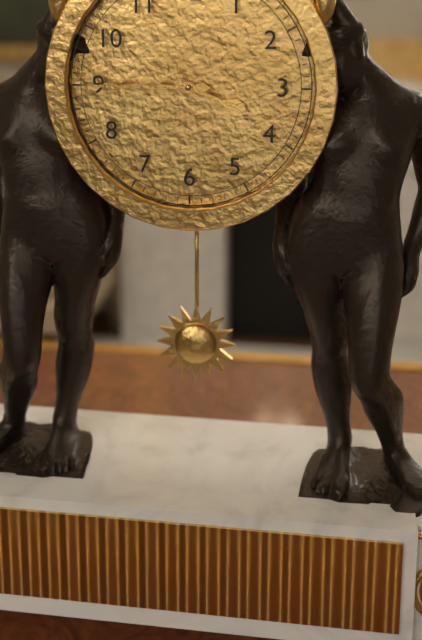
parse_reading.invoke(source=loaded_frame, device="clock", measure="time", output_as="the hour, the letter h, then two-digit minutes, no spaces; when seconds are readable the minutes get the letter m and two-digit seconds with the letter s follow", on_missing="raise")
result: 3h45
